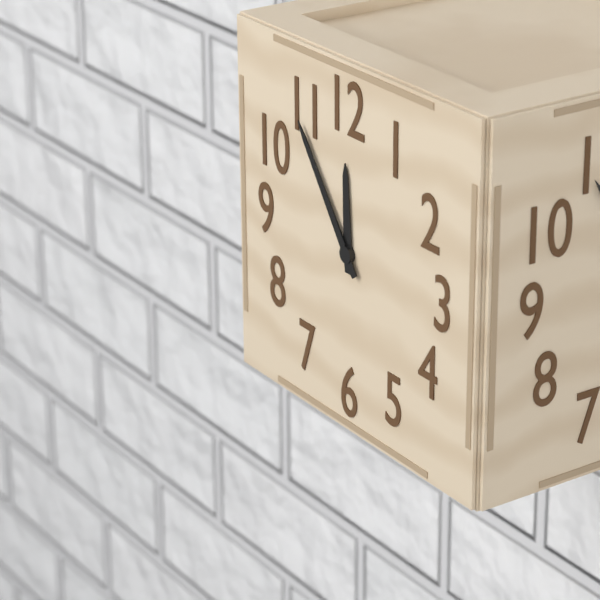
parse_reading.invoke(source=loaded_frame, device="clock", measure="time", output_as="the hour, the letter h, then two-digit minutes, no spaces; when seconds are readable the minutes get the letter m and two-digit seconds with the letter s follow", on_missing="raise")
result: 11h54
